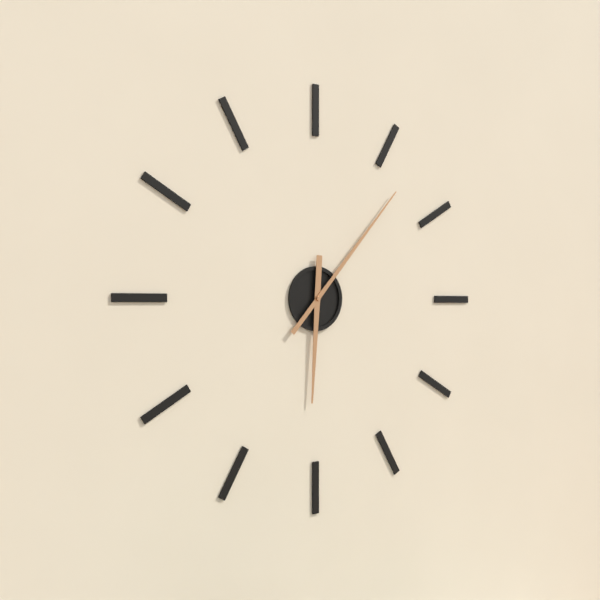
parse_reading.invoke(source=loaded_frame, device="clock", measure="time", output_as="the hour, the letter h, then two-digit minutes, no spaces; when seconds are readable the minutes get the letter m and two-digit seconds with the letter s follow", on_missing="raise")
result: 6h07
